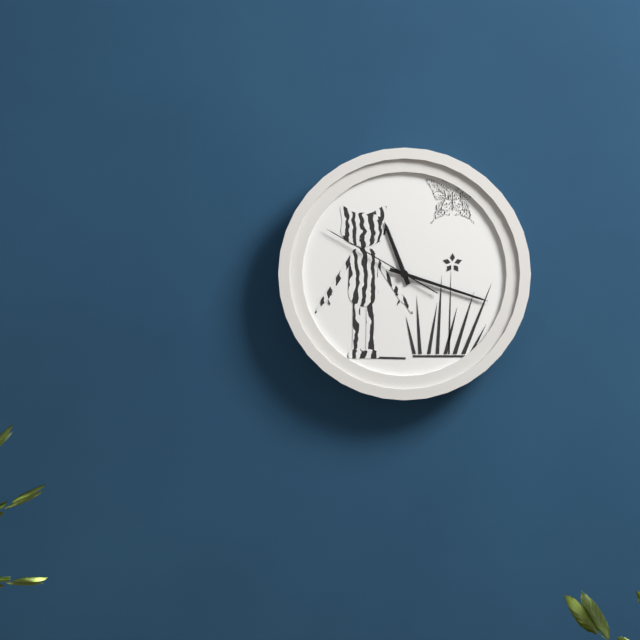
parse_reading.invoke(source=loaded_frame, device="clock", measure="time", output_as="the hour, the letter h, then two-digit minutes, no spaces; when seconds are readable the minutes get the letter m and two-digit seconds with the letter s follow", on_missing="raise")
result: 11h18m50s
